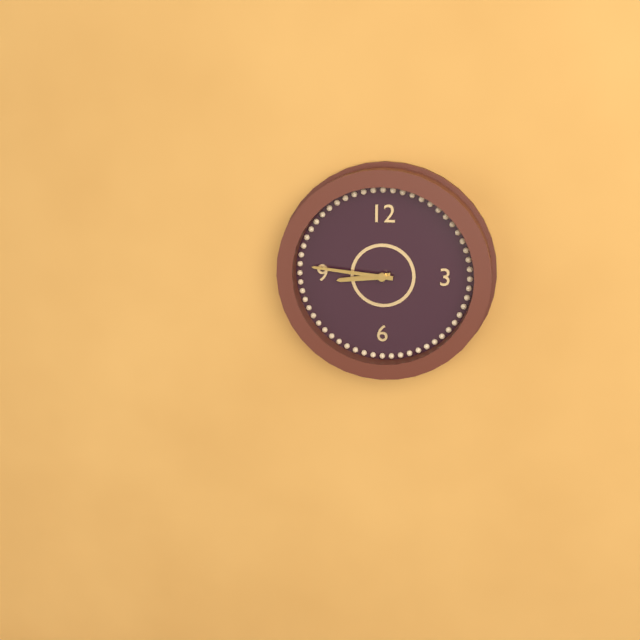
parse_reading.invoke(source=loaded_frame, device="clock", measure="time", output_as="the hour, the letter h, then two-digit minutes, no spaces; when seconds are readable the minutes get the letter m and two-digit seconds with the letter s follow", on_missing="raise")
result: 8h46
